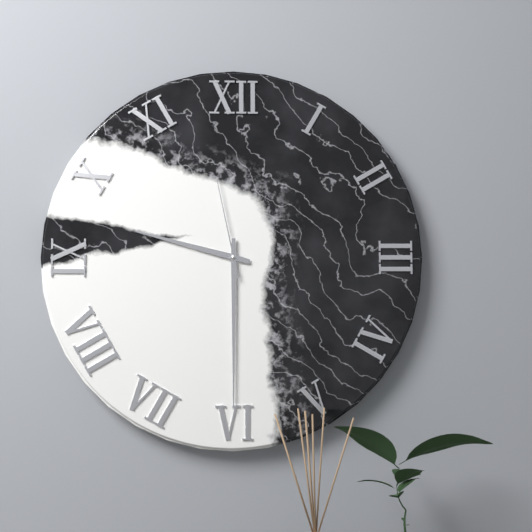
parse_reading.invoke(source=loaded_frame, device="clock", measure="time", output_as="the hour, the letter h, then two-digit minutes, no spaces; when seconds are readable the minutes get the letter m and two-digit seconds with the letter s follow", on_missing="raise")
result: 9h30m58s
